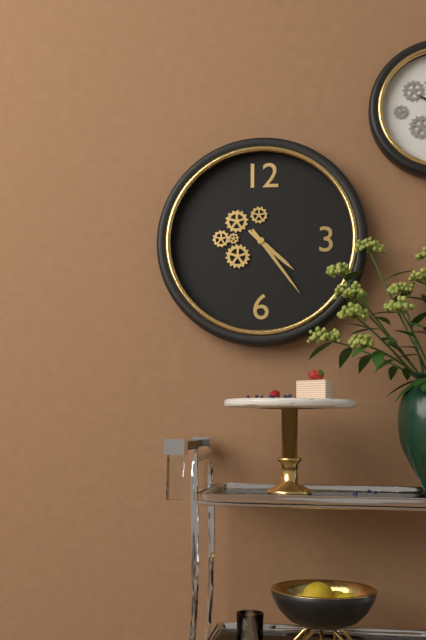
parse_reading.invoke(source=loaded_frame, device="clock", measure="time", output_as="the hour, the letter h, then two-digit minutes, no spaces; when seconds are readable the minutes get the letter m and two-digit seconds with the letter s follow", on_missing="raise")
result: 4h24
